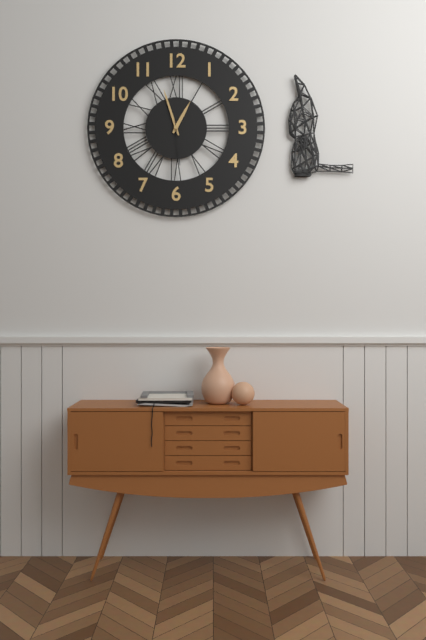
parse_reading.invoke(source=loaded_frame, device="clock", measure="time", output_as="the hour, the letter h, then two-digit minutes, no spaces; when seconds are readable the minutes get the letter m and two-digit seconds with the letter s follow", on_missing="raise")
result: 12h57
